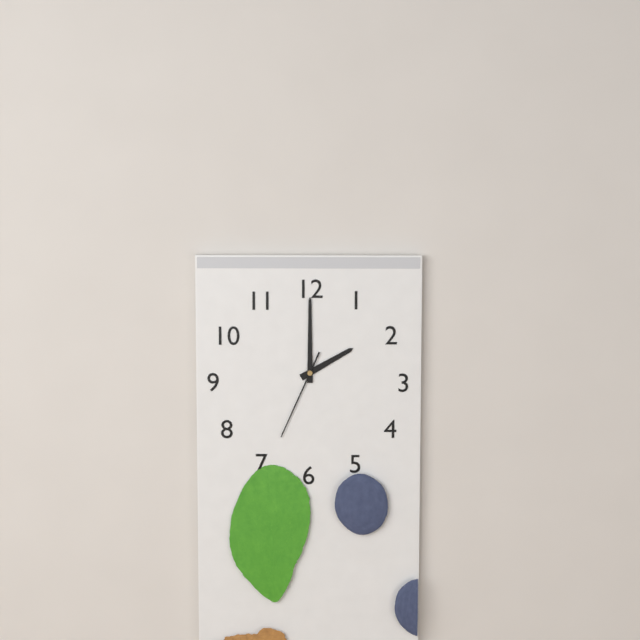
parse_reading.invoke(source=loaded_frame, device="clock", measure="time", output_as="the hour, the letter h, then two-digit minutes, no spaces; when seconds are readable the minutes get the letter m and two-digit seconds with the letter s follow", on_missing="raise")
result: 2h00m34s
